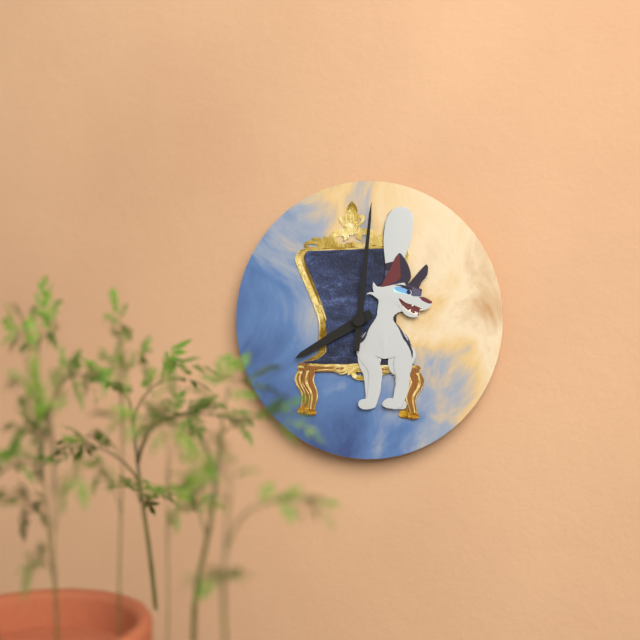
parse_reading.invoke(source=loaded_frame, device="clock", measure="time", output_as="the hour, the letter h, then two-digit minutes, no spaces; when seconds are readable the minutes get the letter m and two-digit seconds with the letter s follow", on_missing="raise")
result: 8h01
